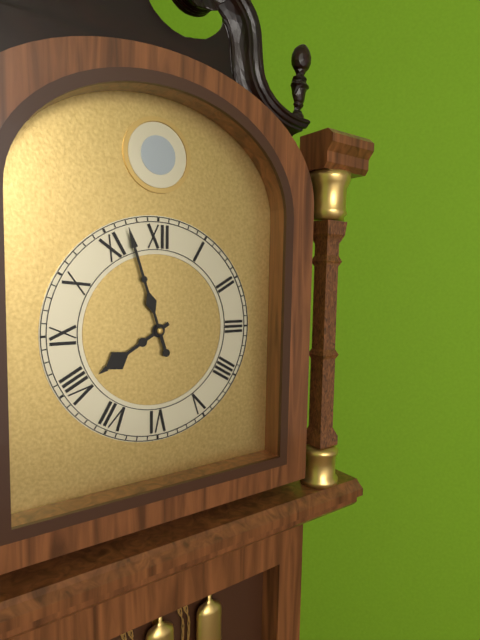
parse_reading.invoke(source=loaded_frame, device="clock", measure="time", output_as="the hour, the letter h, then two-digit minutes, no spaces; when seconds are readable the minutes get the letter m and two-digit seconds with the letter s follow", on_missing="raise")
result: 7h57
